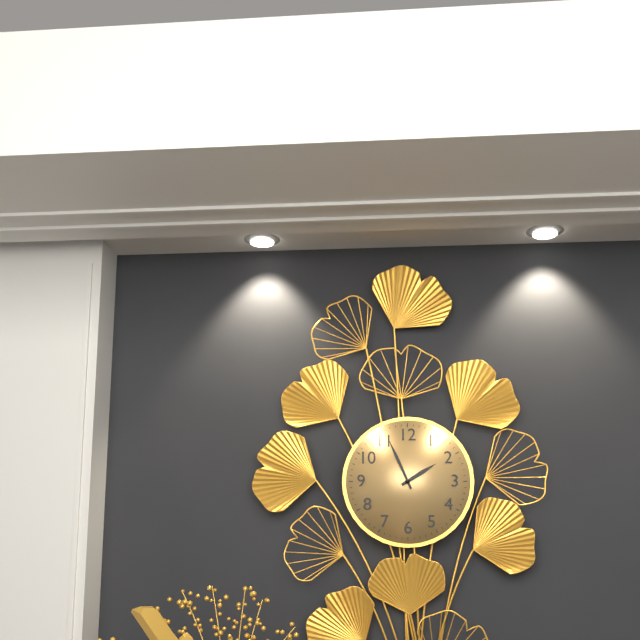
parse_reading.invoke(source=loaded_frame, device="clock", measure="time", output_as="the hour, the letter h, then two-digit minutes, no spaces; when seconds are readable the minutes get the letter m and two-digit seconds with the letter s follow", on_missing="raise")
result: 1h56
